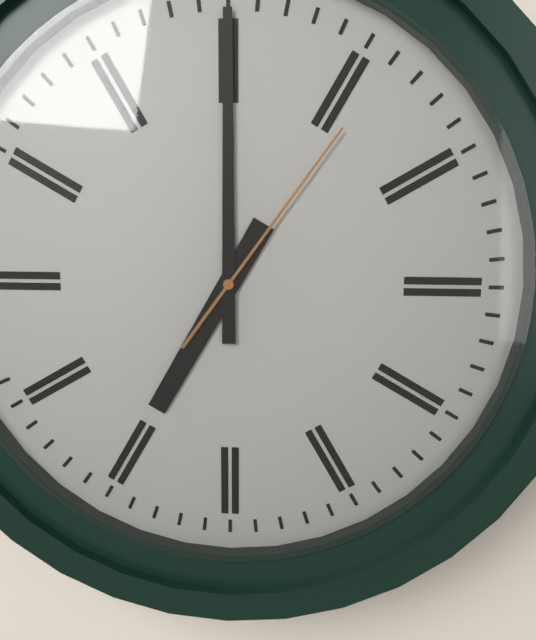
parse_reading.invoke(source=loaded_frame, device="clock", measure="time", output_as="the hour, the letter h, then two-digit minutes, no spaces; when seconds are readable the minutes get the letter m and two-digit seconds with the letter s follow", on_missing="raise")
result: 7h00m06s
